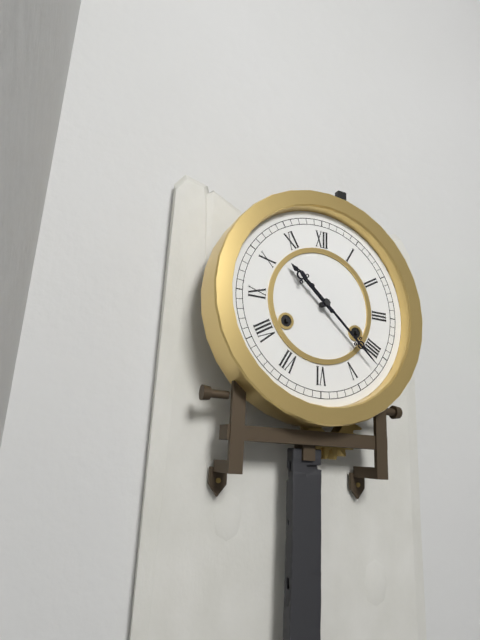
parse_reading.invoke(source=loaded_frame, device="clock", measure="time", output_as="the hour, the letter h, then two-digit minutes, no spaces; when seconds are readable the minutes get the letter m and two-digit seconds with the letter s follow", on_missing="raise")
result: 10h22
